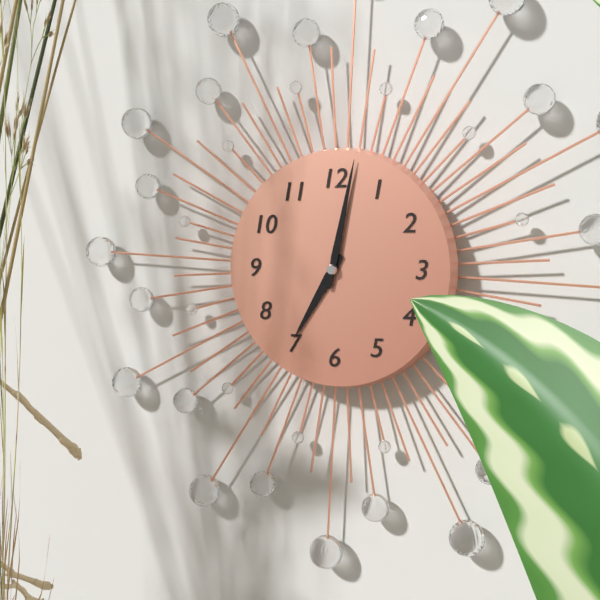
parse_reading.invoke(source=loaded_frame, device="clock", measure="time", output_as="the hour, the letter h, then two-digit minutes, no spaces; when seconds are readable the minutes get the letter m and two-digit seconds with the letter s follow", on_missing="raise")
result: 7h02
